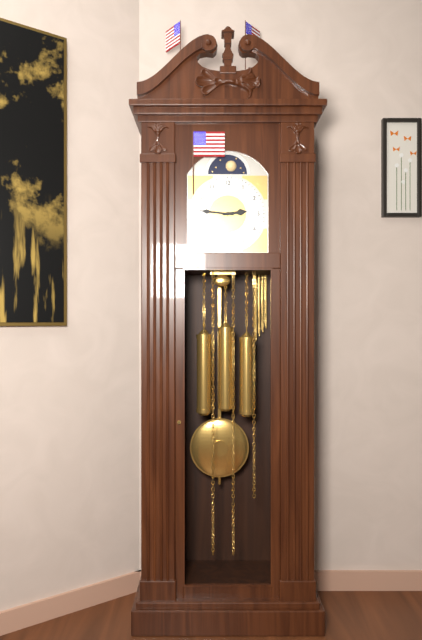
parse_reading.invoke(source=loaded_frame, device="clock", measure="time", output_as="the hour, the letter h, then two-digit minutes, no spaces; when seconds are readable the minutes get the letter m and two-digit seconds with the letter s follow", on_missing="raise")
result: 2h46
